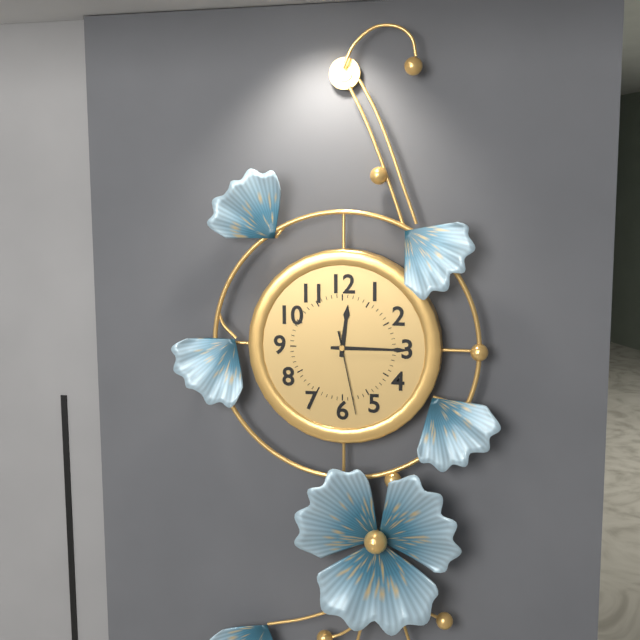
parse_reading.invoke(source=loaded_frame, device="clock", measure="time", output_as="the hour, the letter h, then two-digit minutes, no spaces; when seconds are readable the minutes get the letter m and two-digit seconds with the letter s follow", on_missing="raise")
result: 12h15m28s
